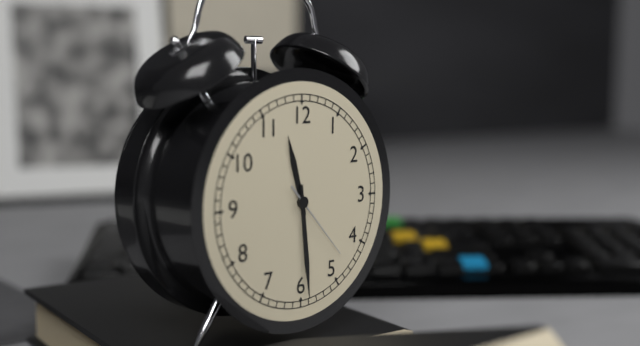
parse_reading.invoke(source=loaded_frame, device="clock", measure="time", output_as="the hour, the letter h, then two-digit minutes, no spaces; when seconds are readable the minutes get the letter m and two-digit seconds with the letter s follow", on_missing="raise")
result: 11h29m23s
